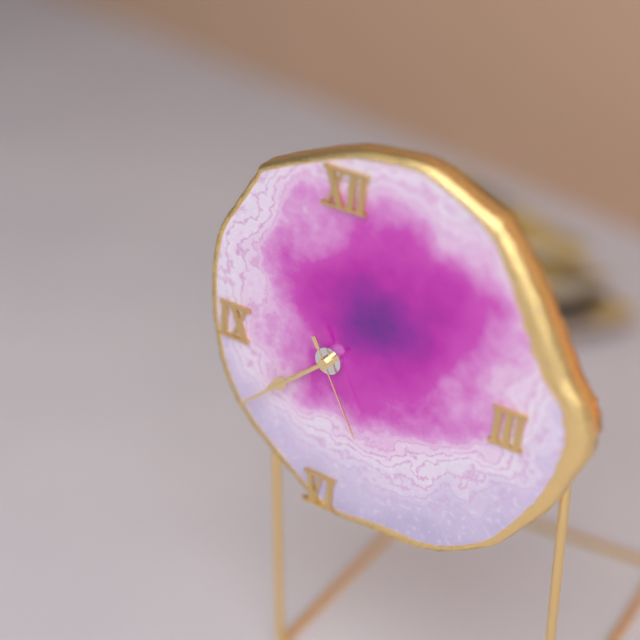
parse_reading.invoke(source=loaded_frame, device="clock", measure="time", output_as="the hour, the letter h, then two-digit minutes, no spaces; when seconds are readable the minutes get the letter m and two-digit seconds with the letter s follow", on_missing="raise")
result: 7h38m25s
